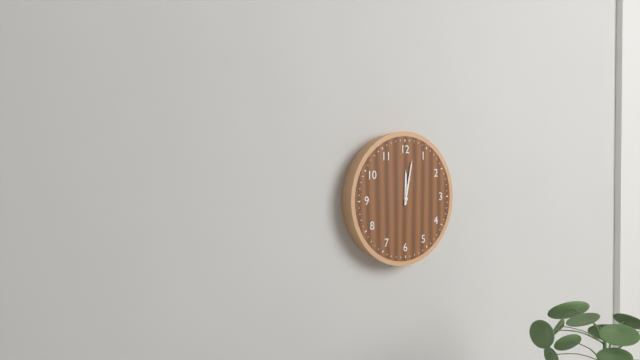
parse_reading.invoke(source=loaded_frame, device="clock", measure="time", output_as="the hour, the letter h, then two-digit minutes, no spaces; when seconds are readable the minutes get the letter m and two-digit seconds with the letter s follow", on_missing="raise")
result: 12h02
